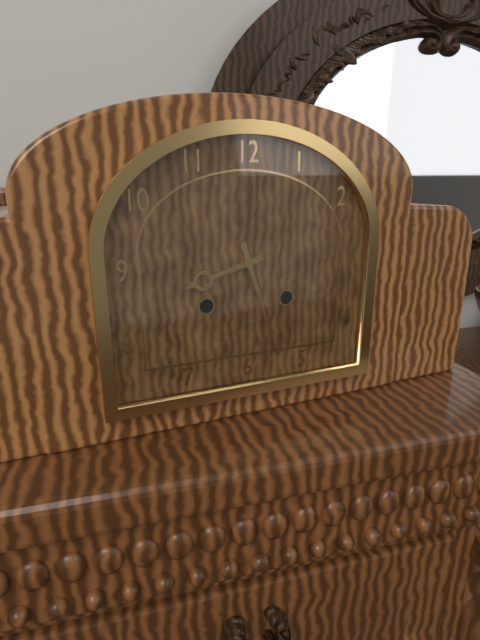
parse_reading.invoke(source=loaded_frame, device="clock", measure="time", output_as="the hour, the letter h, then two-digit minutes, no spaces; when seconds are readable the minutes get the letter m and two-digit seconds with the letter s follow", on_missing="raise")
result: 8h27
